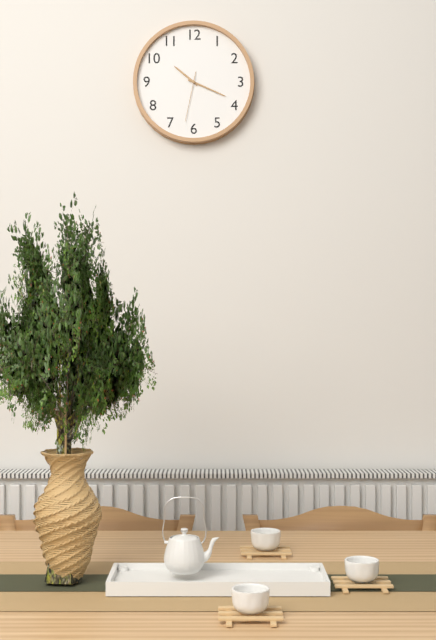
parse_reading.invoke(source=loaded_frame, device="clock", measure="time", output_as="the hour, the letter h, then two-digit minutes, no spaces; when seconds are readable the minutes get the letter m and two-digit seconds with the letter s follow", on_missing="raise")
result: 10h19m32s
